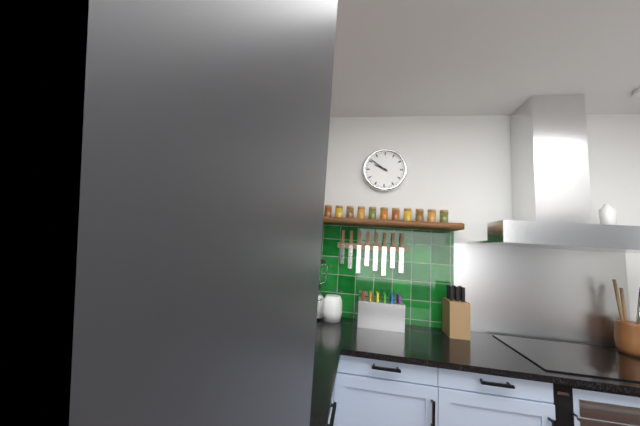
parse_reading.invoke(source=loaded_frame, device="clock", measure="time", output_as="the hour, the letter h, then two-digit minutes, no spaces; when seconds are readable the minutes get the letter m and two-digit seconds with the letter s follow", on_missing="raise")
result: 9h51
